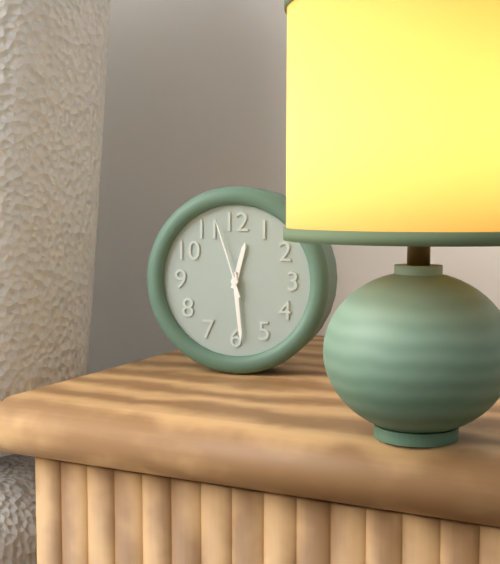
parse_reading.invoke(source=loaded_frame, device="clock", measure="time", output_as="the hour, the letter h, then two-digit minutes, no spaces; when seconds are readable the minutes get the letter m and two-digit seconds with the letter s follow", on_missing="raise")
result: 12h29m57s
